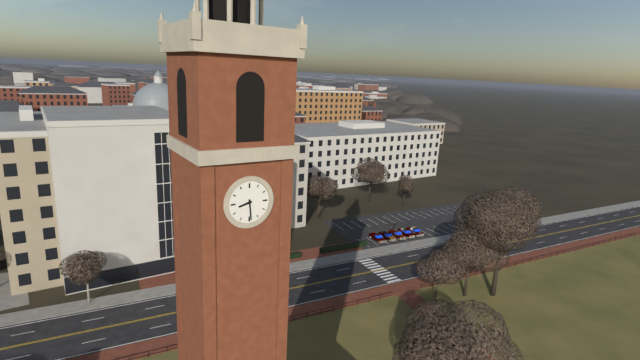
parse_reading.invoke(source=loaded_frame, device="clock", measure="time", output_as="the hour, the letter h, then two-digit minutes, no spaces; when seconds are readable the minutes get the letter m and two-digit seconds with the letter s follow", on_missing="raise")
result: 8h29
